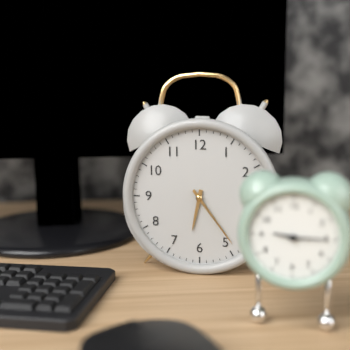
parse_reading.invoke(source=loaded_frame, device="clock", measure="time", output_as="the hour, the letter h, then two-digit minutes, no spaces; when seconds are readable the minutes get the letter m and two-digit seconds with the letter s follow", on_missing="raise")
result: 6h24
